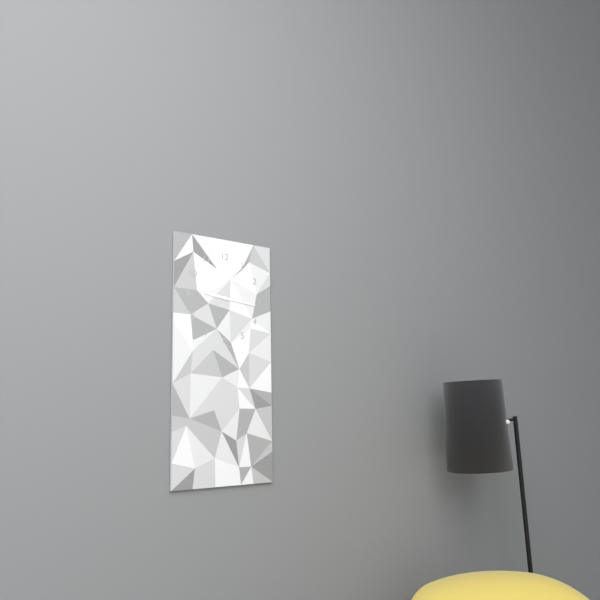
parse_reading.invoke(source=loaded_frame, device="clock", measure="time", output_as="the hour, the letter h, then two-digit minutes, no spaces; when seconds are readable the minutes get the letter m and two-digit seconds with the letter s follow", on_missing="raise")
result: 9h16
